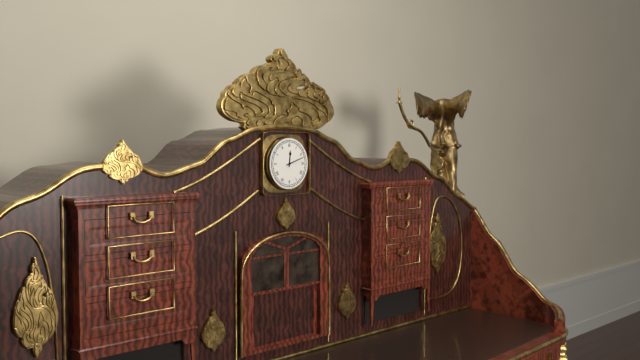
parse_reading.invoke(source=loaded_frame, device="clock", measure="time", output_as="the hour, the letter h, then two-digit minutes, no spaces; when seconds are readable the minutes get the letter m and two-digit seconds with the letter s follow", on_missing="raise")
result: 12h12
